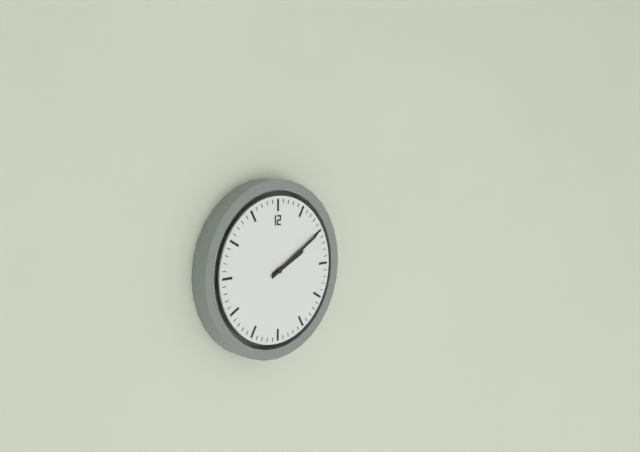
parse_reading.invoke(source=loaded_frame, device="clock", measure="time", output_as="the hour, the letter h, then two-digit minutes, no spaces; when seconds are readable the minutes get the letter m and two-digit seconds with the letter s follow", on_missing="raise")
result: 2h10
